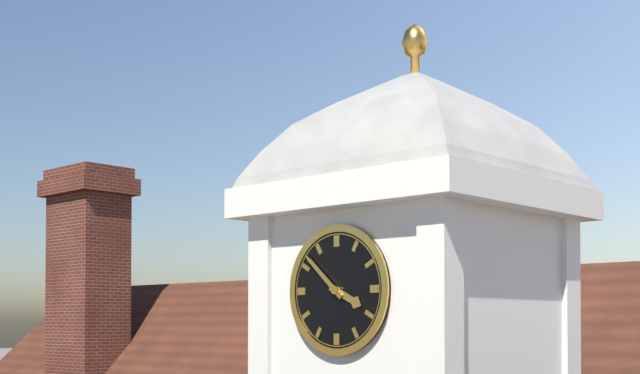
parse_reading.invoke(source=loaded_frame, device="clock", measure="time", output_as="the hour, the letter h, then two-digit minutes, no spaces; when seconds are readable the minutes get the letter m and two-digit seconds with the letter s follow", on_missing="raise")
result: 3h52
